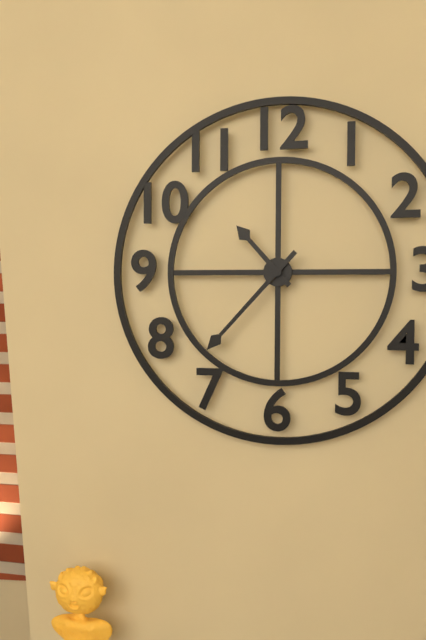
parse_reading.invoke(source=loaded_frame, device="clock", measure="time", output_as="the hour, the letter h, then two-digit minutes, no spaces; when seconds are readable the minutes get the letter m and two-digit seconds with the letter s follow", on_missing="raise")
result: 10h37
